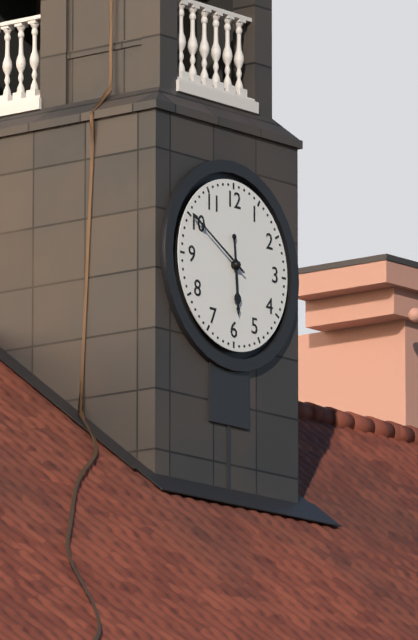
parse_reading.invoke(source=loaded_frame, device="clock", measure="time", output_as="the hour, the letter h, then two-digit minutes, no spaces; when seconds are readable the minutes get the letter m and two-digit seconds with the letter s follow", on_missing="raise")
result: 5h50
